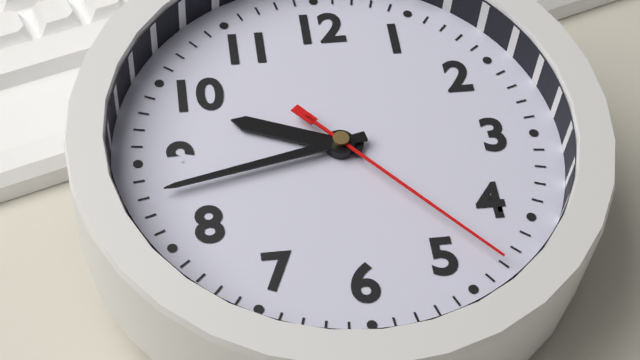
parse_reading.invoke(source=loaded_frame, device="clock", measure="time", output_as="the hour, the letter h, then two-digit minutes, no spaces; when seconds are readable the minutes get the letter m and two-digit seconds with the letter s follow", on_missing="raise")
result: 9h43m23s
